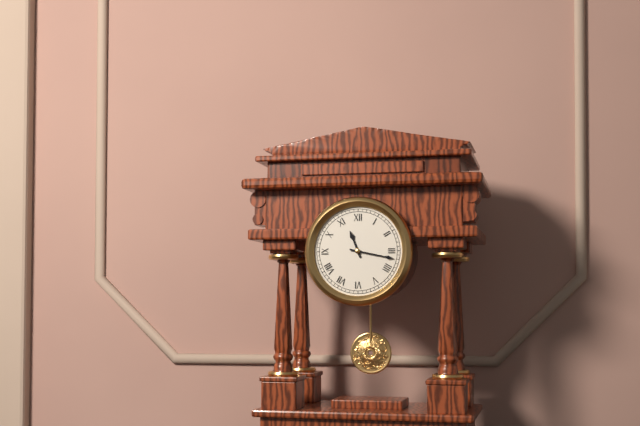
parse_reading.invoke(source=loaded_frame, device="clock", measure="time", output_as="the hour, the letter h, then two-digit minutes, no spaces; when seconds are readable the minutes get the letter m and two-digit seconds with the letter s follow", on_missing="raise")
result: 11h17
